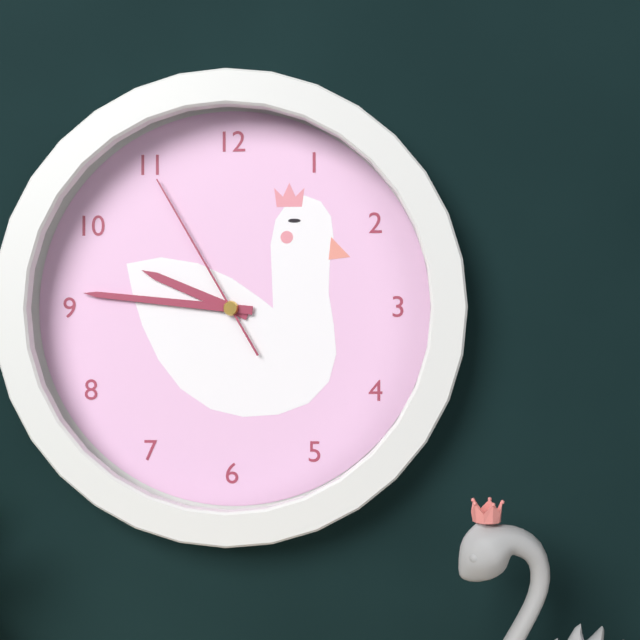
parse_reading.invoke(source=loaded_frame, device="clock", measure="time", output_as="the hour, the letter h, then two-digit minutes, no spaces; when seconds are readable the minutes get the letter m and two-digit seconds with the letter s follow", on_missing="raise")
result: 9h46m55s
